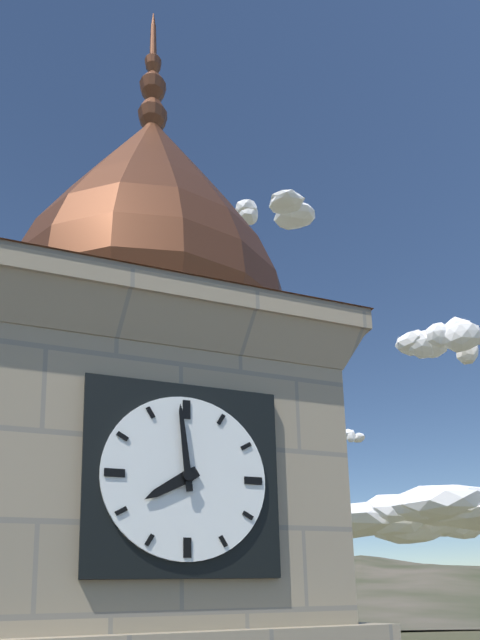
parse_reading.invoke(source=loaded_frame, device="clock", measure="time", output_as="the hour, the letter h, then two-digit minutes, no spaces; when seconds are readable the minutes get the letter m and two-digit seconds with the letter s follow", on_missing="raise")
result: 7h59
